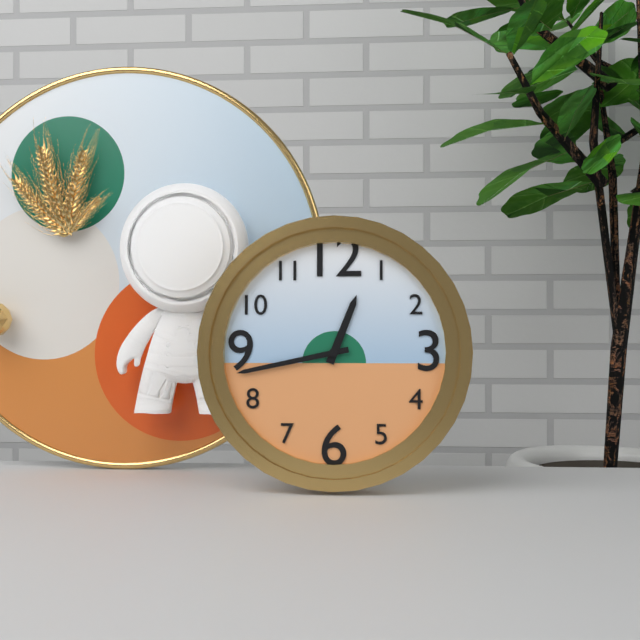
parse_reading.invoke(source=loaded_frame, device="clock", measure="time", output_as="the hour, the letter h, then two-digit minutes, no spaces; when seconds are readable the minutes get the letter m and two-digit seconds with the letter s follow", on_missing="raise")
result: 12h43
